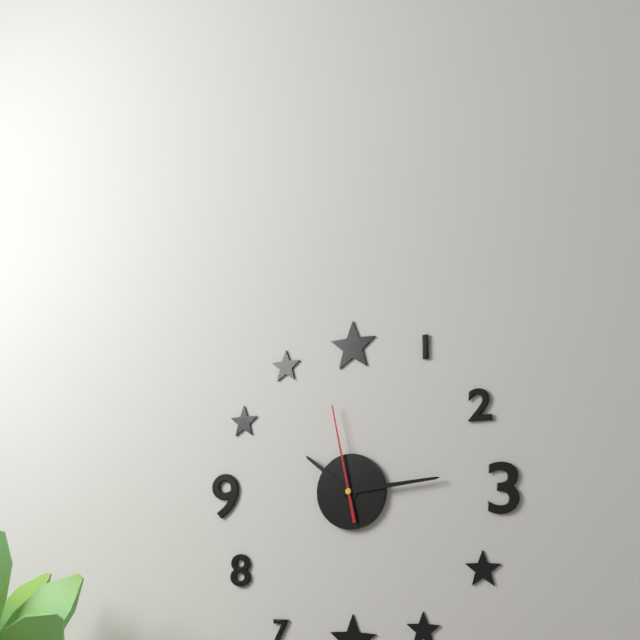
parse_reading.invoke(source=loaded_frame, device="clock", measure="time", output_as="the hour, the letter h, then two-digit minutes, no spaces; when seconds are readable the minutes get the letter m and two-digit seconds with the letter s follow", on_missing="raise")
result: 10h14m58s
